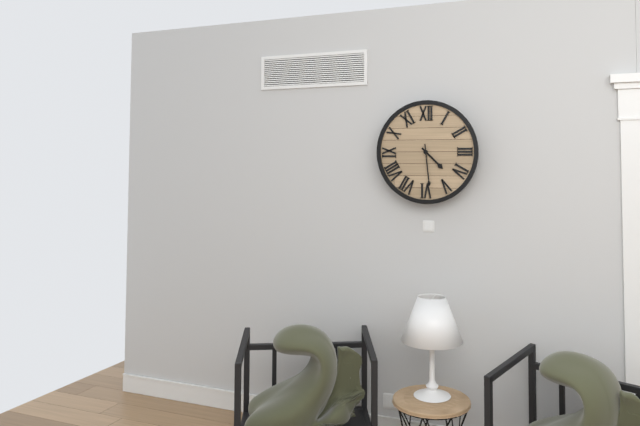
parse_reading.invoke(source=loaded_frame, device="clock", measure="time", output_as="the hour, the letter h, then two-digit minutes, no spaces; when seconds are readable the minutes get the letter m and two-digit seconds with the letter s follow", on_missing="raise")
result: 4h29
